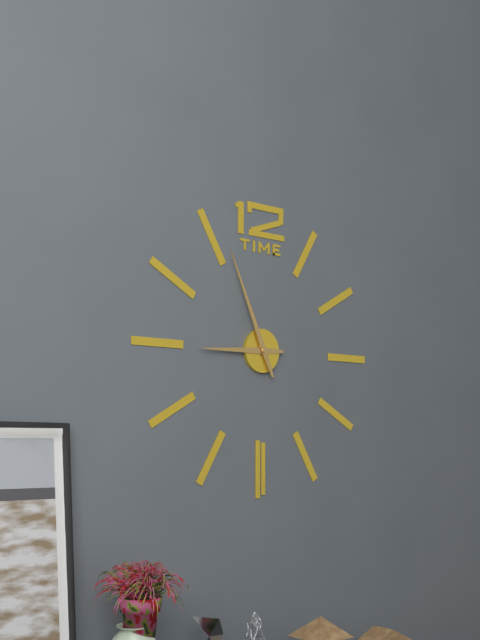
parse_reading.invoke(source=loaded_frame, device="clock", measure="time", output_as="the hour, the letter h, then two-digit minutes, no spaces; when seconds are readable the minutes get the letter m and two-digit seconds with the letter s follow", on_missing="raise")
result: 8h56
